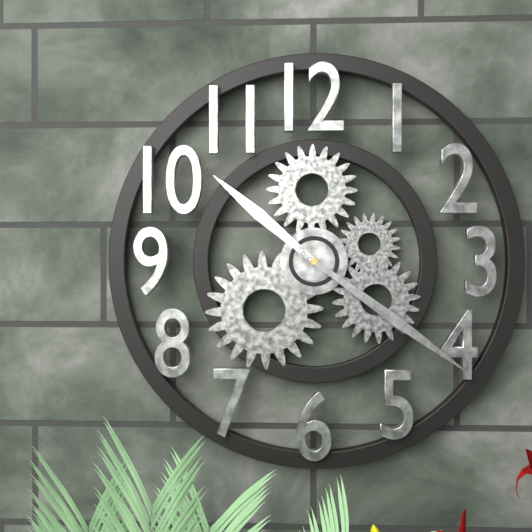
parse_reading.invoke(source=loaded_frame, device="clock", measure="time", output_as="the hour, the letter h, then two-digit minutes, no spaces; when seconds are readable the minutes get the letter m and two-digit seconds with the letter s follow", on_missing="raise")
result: 10h21
